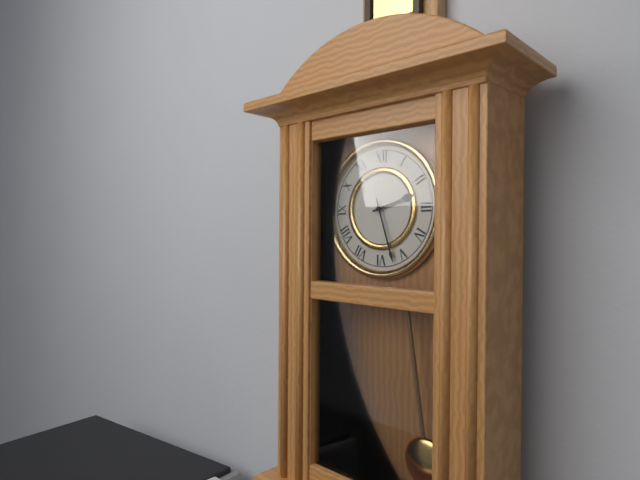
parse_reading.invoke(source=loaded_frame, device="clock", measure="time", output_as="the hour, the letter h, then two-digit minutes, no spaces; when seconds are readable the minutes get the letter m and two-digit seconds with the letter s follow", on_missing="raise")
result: 2h27
